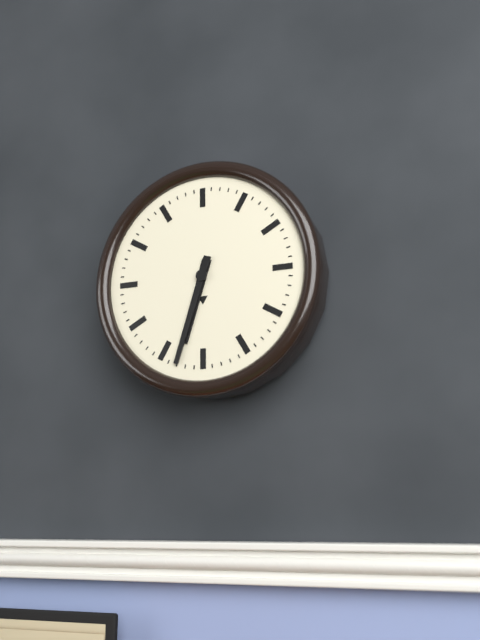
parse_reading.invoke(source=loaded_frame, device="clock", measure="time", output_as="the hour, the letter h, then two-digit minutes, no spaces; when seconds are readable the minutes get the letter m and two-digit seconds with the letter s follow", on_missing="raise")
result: 6h33
